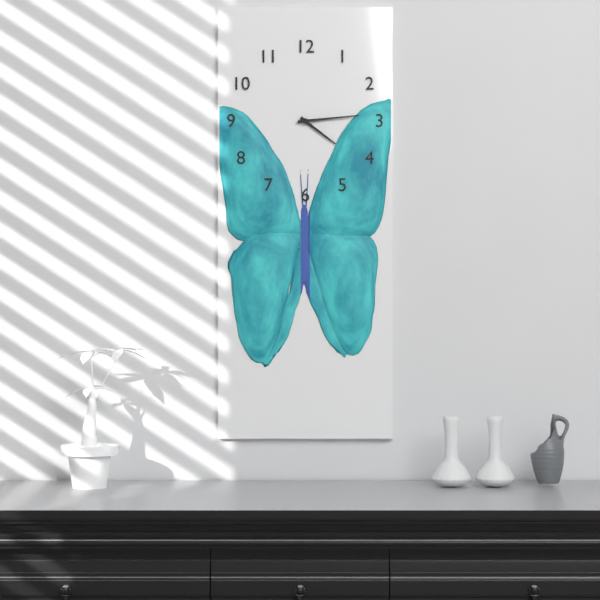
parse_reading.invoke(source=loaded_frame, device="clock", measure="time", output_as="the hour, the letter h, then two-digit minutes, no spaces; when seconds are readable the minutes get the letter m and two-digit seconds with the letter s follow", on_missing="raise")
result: 4h14
